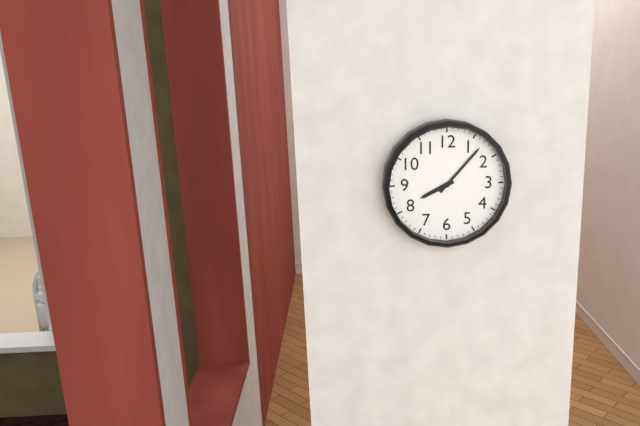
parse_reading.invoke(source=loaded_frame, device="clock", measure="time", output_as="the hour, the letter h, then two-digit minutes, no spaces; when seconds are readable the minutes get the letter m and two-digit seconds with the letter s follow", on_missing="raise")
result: 8h07
